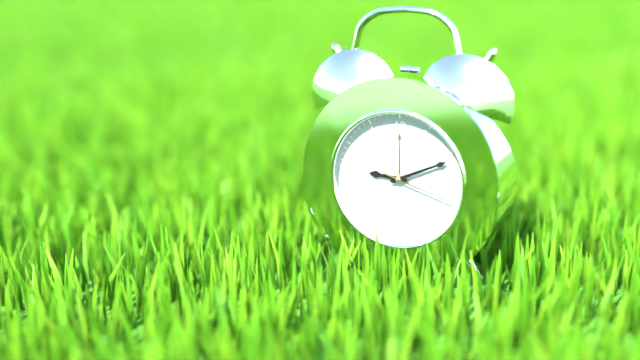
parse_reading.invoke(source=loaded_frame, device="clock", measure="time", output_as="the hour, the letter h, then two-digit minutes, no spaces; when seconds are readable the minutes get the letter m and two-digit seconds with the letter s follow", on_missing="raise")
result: 9h11m18s
